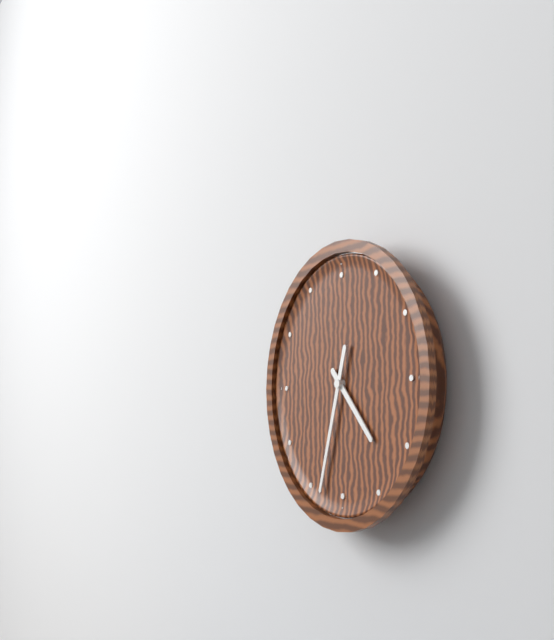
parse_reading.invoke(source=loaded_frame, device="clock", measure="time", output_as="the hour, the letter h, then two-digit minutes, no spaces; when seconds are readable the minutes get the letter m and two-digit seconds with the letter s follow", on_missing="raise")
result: 4h33
